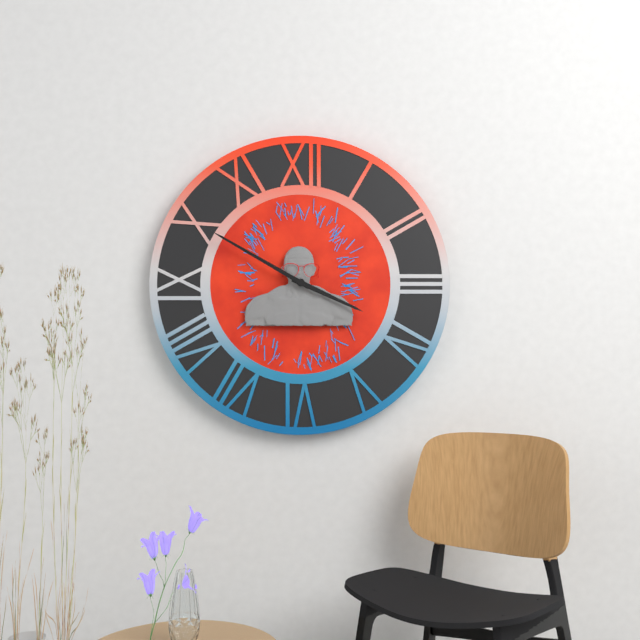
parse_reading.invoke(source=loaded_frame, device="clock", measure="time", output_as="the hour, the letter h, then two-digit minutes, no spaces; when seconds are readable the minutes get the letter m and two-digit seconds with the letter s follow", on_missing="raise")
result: 3h50
